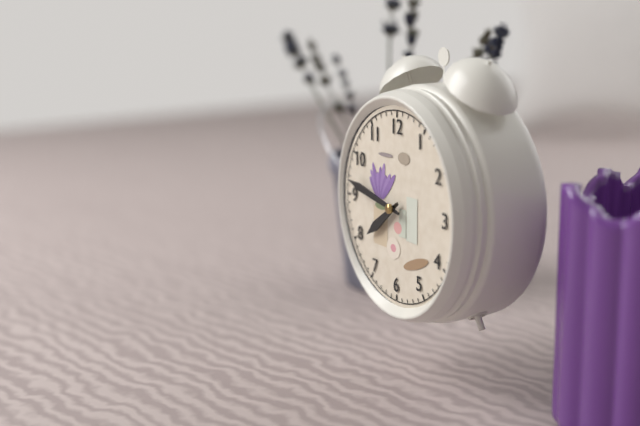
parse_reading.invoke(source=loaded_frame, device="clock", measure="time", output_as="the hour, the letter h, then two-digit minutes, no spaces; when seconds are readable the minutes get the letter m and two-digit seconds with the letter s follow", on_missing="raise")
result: 7h47
